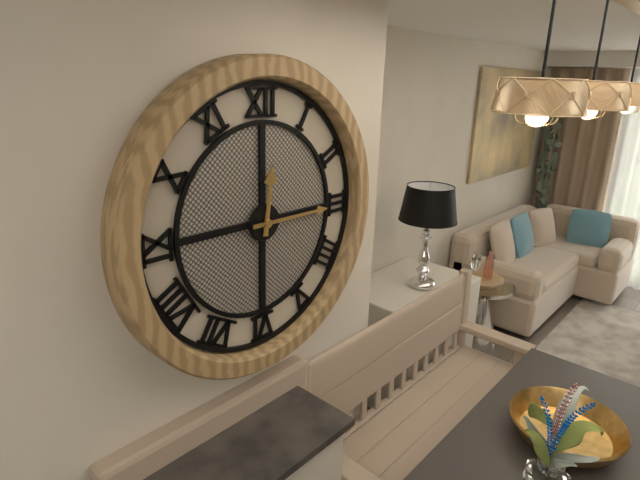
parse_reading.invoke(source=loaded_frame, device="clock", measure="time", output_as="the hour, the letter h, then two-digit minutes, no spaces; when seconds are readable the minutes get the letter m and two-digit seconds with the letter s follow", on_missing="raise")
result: 12h15
